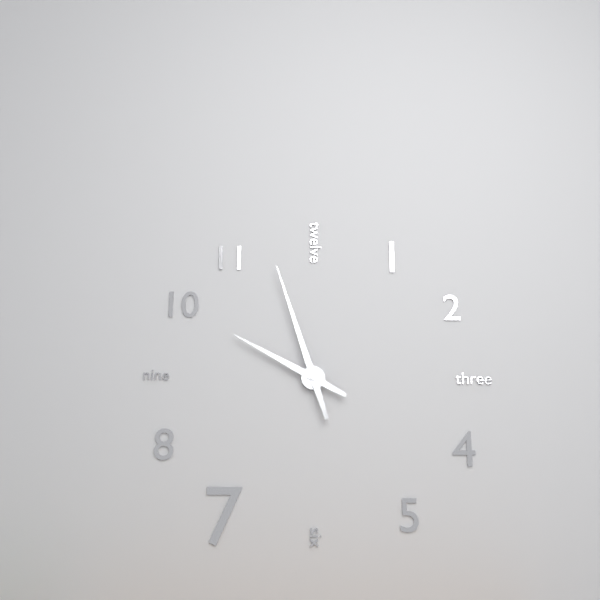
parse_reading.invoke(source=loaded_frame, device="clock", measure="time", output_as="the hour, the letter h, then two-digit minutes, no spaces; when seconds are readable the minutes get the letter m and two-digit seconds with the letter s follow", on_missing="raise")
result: 9h57
